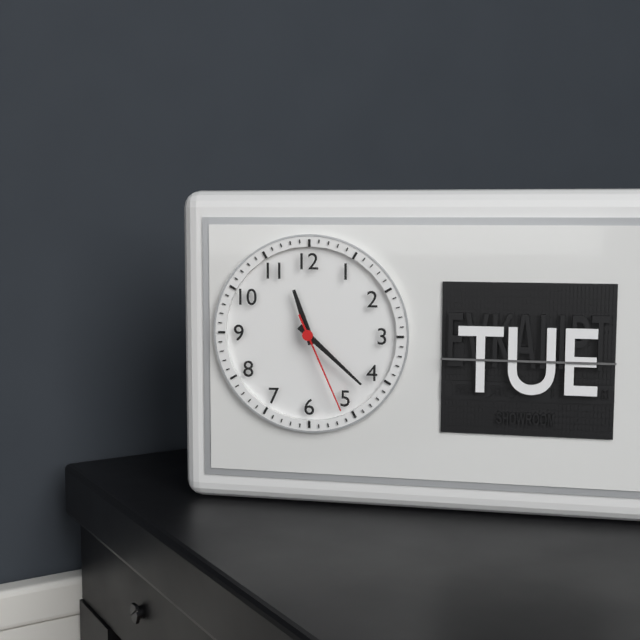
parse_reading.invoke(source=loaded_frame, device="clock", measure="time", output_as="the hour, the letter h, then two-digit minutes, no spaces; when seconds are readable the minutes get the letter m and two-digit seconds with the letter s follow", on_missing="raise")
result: 11h22m26s
